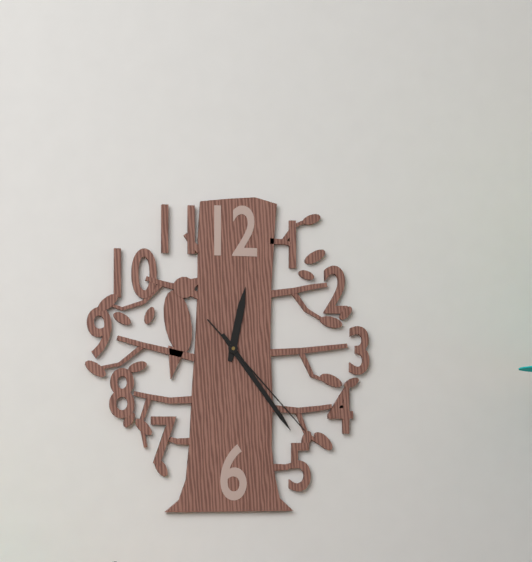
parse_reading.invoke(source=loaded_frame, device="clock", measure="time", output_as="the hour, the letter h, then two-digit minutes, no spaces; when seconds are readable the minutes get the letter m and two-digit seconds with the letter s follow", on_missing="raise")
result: 12h24m23s
